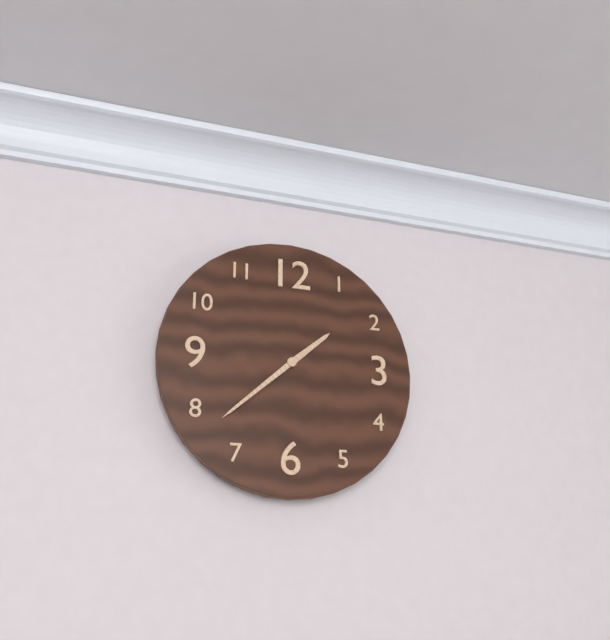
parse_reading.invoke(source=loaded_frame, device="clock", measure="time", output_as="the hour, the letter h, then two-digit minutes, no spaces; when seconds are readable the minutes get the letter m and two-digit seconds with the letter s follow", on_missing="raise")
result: 1h38
